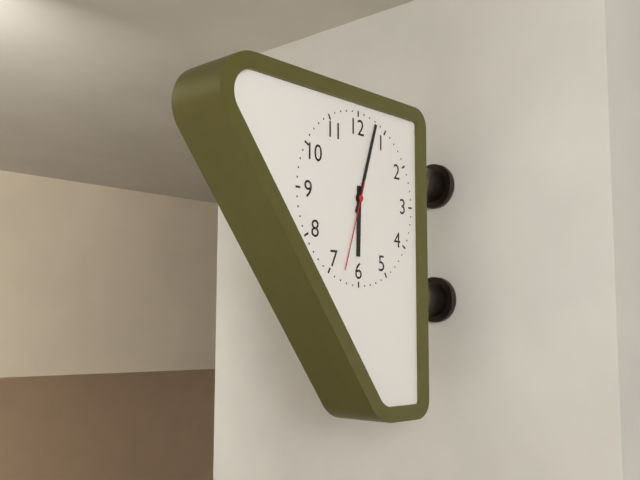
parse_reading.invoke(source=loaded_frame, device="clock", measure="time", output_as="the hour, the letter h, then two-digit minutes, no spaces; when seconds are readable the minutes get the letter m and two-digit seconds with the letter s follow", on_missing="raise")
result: 6h03m33s
